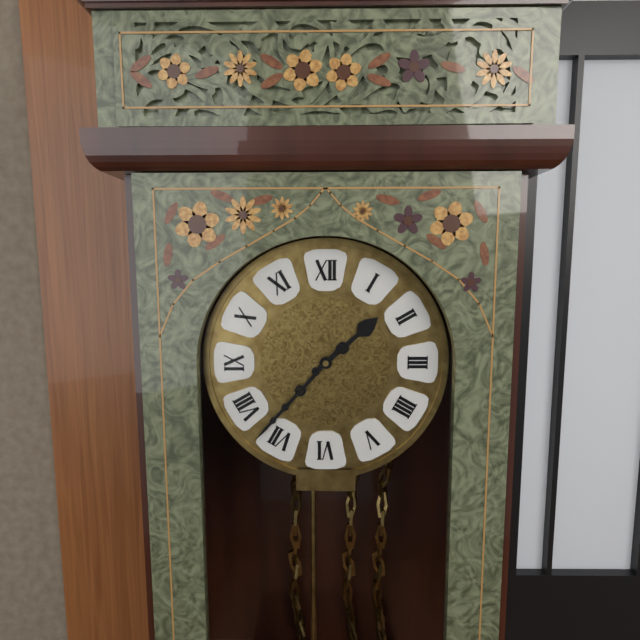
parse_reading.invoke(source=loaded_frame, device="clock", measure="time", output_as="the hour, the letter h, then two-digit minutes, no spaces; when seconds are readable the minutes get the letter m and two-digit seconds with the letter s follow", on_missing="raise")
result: 1h37
